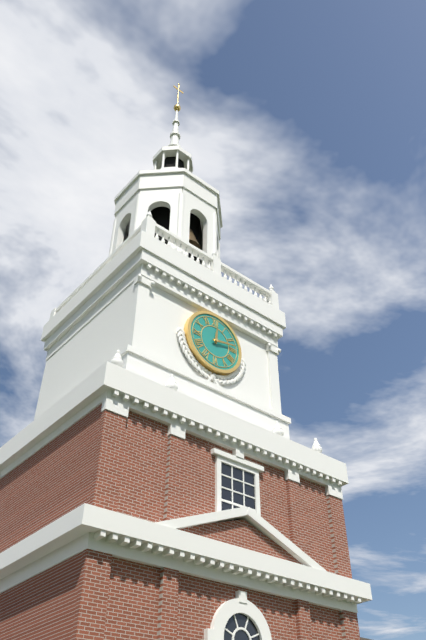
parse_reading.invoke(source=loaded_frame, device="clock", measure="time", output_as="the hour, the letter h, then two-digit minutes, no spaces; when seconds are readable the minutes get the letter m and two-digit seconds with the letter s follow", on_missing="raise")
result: 12h13
